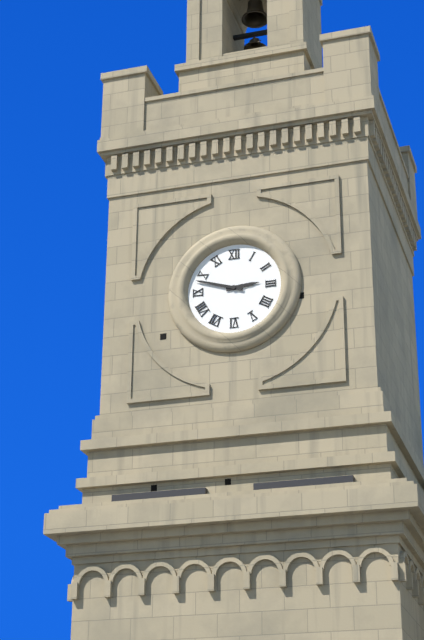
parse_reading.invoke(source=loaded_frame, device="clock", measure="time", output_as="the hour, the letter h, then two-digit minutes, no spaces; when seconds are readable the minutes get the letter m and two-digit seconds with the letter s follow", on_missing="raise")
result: 2h48
